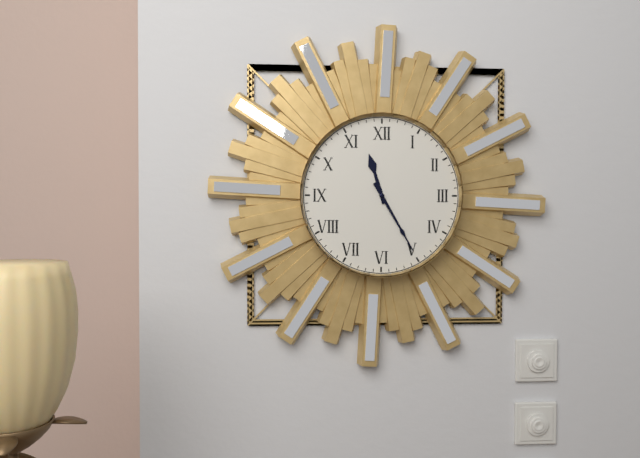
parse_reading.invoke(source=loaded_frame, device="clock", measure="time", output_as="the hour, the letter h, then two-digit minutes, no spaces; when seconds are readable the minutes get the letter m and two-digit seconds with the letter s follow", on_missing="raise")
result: 11h25
